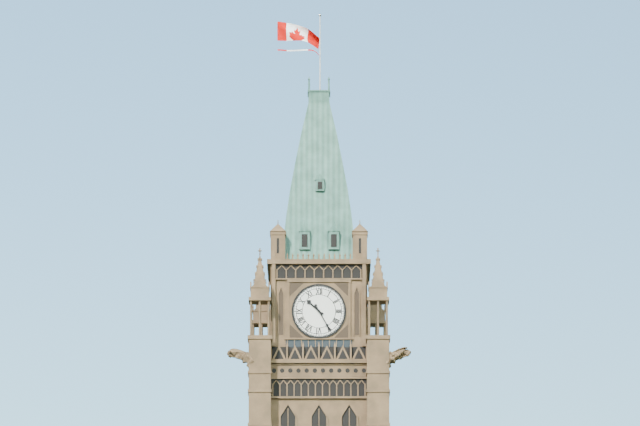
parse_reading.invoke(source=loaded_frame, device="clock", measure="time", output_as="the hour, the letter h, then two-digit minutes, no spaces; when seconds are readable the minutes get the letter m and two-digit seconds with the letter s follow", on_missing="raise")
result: 10h25
